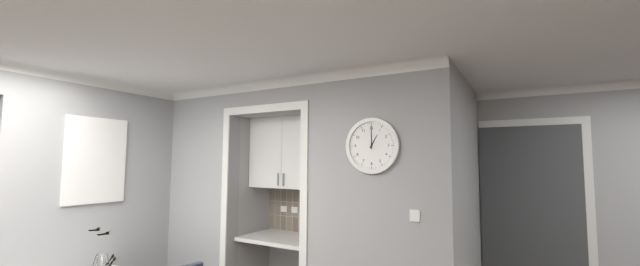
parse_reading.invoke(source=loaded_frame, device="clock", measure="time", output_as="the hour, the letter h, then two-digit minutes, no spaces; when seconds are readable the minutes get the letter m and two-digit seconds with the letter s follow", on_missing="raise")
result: 1h00
